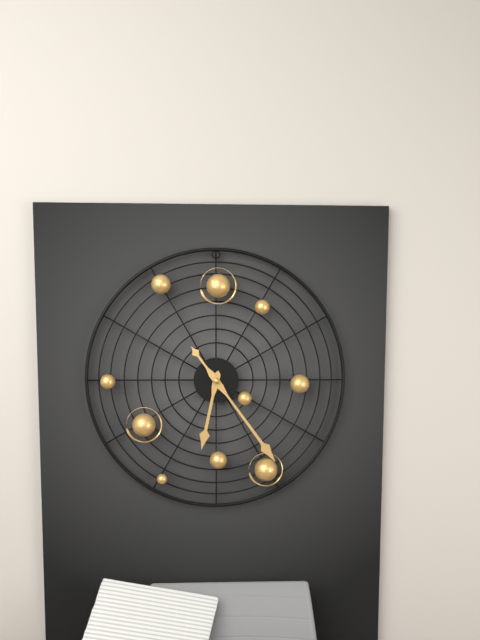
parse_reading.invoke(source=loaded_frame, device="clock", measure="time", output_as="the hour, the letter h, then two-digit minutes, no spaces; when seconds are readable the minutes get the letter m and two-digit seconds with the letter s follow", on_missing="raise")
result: 6h24
